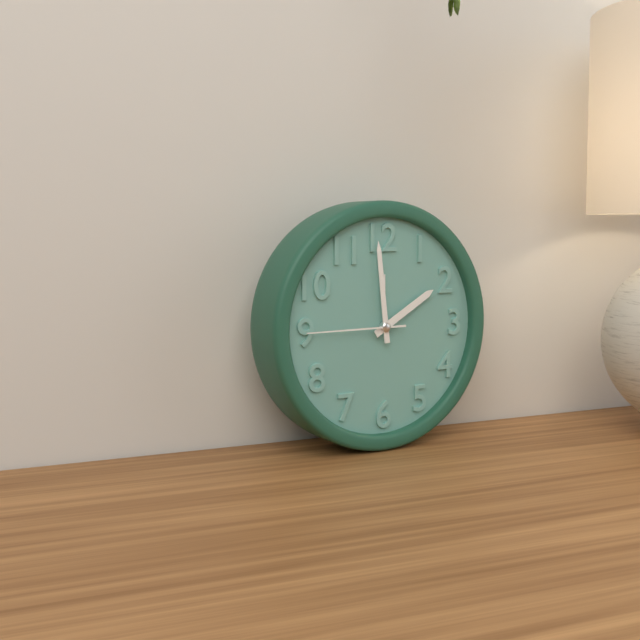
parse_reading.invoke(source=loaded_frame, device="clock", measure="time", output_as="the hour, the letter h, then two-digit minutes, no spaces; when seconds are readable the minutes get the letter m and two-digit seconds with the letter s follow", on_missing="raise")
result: 1h59m45s
